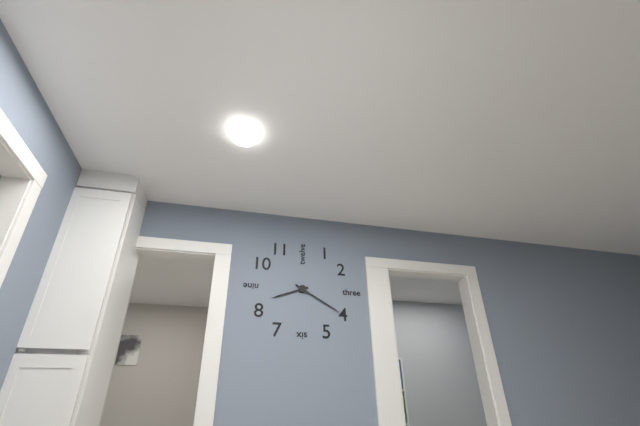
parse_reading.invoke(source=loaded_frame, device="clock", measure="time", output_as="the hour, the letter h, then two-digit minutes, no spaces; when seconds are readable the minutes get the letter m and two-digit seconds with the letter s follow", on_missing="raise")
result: 8h20
